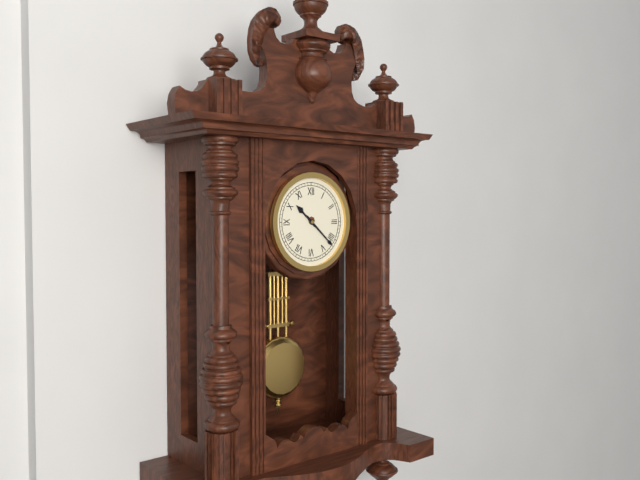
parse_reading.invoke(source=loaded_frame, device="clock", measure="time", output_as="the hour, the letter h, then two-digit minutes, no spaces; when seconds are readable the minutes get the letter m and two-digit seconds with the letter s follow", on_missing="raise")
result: 10h22
